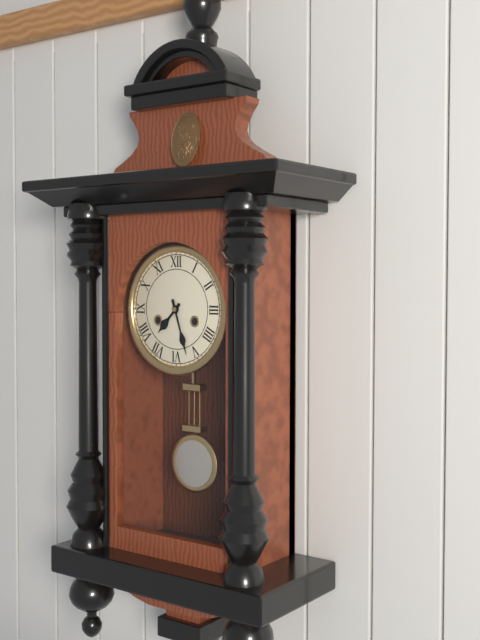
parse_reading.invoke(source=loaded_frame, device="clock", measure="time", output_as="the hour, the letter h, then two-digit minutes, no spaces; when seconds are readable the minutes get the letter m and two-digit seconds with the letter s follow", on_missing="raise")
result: 7h27
